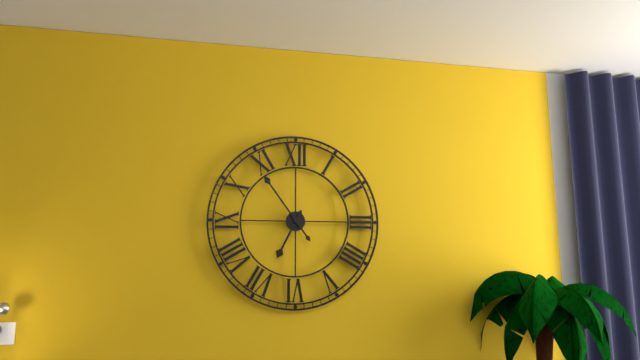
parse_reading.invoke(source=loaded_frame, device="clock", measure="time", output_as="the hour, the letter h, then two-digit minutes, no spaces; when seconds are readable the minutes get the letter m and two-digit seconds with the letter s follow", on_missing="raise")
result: 6h54
